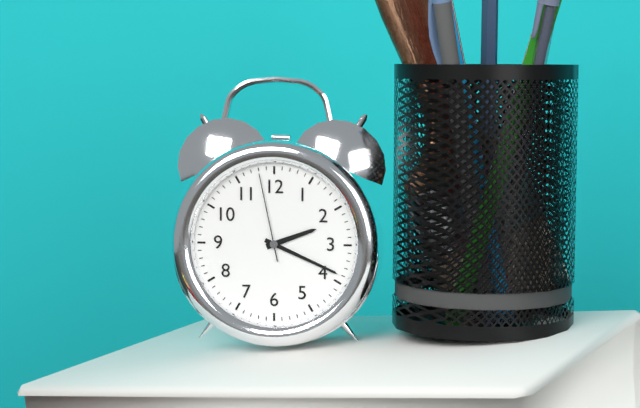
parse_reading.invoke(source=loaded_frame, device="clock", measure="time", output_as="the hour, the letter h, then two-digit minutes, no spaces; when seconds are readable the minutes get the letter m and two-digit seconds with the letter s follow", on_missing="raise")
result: 2h19m58s
